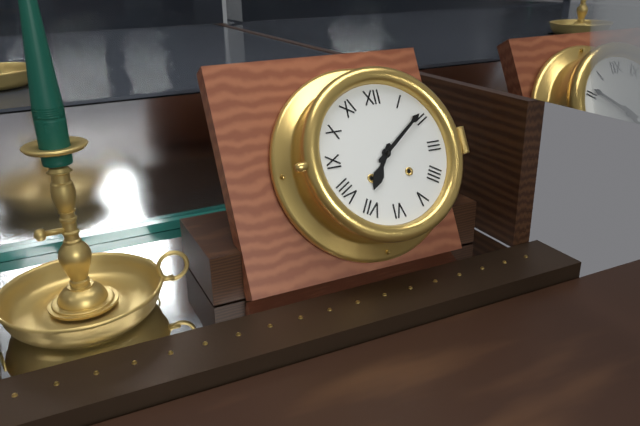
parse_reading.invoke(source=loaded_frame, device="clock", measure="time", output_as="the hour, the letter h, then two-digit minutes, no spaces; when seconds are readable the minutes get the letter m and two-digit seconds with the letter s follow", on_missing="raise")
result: 7h09
